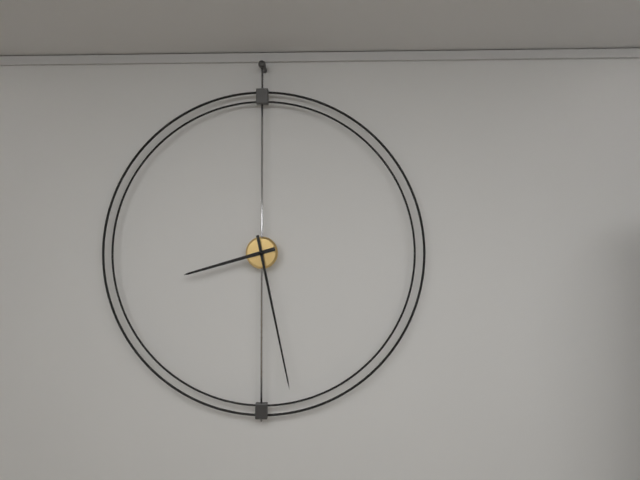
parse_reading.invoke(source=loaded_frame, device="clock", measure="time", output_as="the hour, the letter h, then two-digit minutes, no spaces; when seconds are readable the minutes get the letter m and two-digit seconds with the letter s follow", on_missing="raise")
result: 8h28
